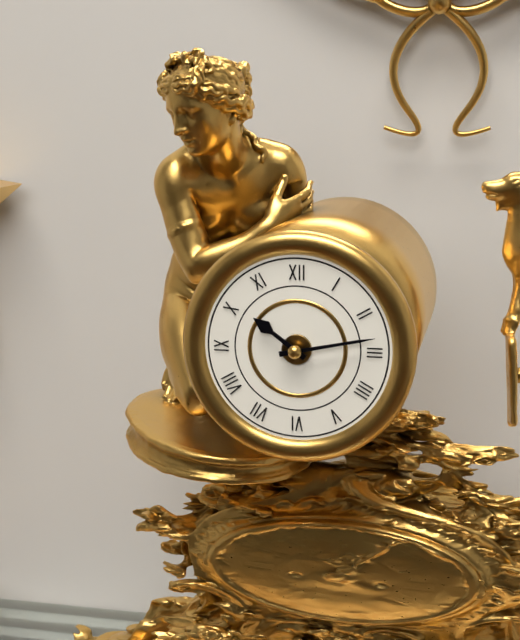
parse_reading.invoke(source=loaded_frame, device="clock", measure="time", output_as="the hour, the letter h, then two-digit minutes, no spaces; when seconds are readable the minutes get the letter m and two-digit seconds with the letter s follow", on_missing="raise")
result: 10h13
